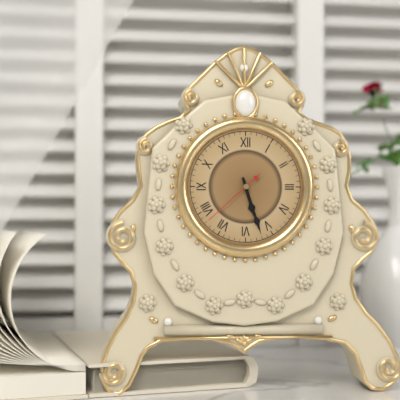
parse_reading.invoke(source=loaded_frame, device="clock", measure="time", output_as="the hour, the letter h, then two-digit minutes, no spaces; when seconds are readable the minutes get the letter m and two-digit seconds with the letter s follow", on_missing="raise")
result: 5h27m38s
